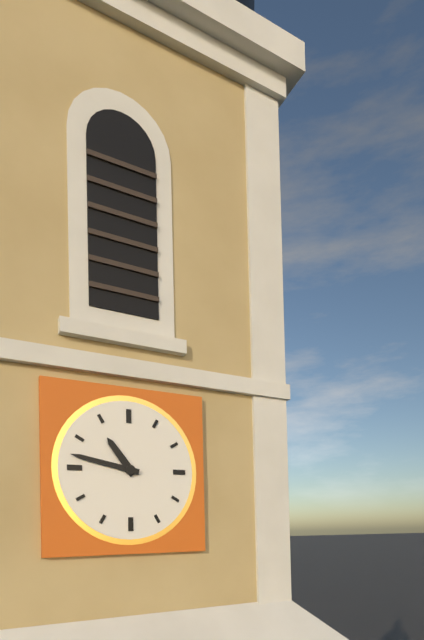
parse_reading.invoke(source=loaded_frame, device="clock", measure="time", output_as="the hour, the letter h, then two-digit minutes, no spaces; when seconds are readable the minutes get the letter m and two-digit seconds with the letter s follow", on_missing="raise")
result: 10h47
